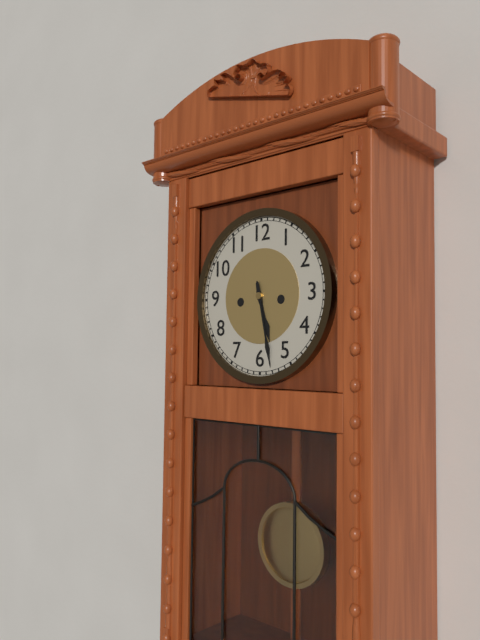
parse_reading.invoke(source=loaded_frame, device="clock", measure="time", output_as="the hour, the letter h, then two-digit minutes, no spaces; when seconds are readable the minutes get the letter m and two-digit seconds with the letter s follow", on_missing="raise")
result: 5h28
